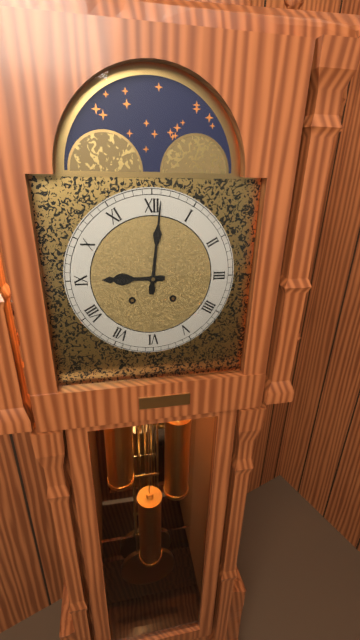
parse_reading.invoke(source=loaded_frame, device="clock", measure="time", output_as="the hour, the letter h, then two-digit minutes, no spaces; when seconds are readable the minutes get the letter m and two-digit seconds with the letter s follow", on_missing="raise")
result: 9h01
